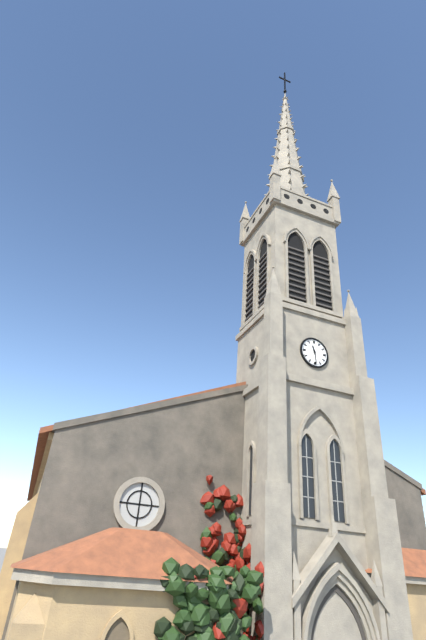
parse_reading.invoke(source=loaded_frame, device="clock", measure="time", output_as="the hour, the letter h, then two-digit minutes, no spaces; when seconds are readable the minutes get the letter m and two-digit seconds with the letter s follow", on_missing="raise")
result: 11h29
